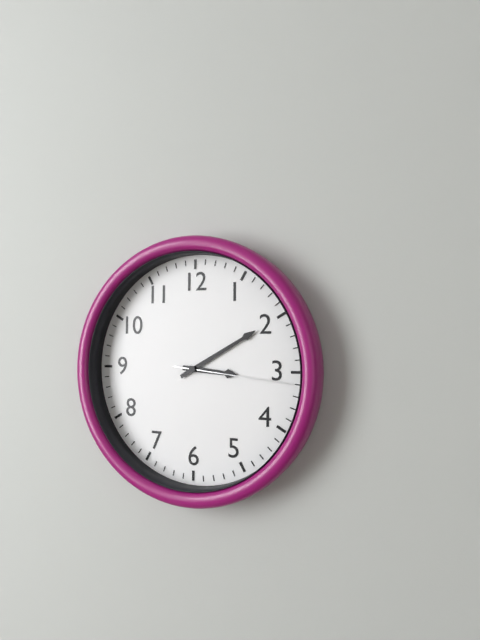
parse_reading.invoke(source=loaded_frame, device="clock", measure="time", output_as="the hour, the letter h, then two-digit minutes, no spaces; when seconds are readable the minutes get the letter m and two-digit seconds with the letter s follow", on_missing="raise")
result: 3h10m16s
